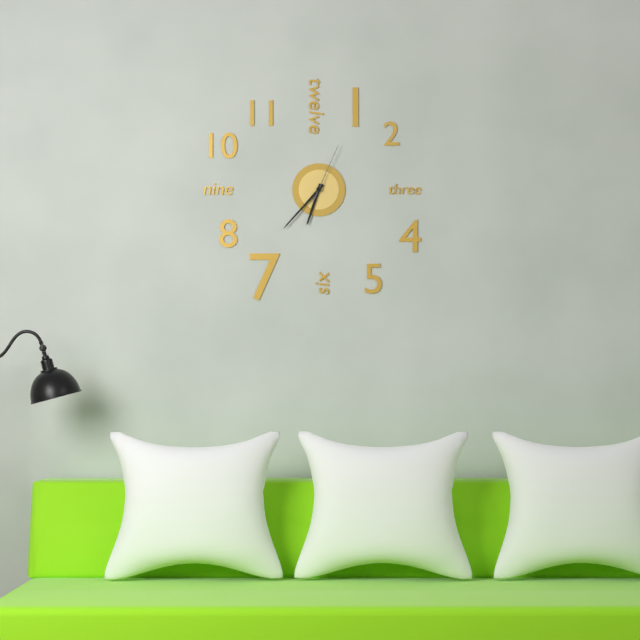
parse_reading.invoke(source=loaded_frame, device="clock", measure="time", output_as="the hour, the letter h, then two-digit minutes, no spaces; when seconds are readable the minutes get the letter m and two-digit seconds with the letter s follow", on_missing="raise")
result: 6h37m04s
